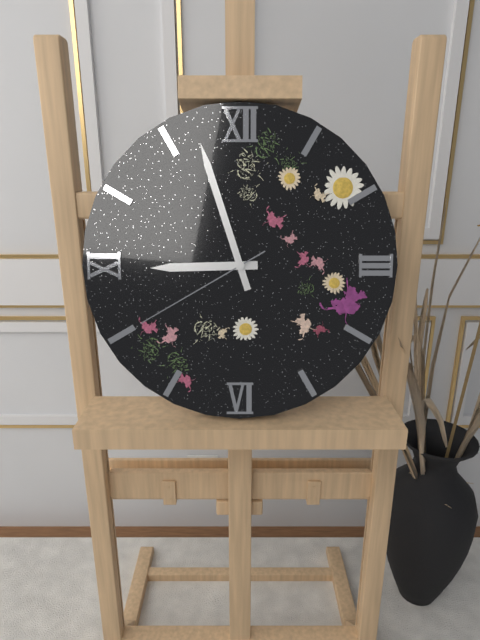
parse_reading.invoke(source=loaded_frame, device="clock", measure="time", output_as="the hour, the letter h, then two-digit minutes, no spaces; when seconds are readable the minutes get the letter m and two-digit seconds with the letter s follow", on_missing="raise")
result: 8h57m40s
